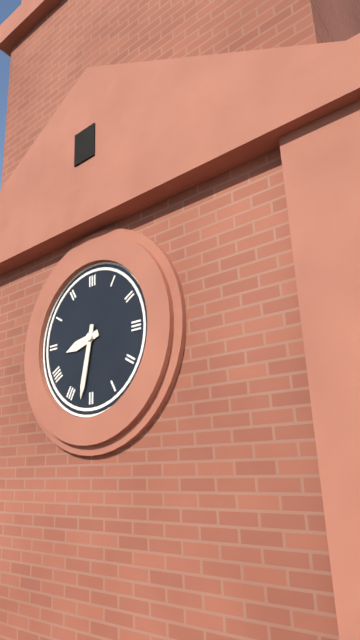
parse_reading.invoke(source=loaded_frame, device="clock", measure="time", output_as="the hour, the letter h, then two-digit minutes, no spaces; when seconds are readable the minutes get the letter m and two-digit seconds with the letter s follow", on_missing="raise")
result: 8h32
